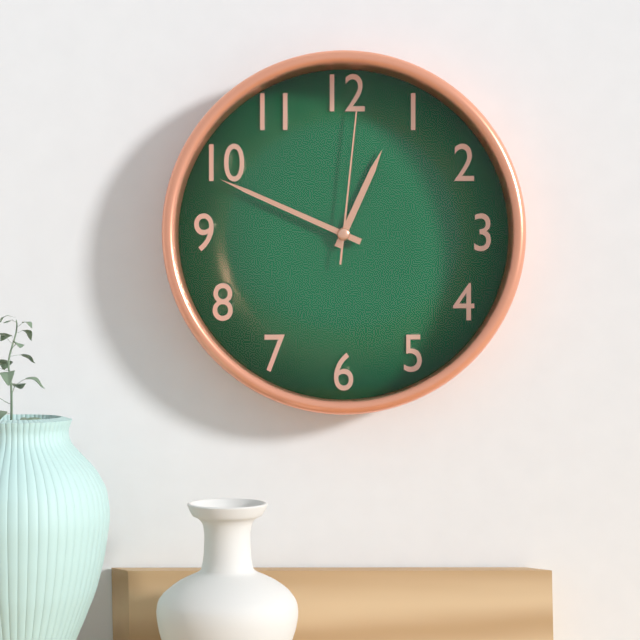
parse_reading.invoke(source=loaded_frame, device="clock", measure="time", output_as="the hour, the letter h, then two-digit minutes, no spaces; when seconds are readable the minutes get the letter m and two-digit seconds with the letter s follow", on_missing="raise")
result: 12h49m01s
